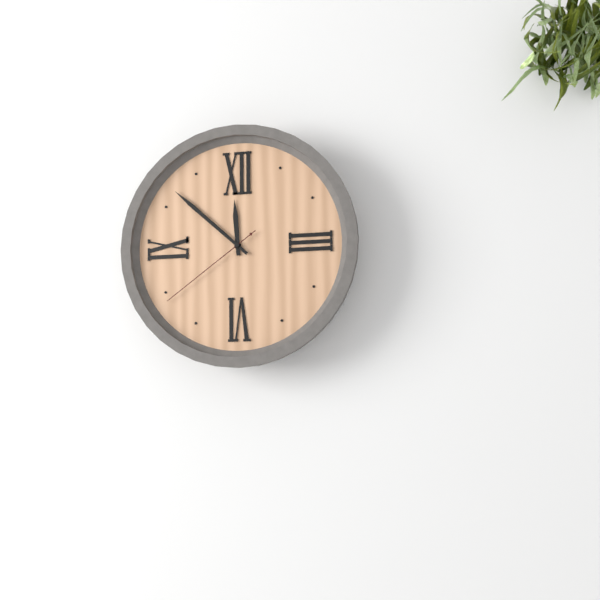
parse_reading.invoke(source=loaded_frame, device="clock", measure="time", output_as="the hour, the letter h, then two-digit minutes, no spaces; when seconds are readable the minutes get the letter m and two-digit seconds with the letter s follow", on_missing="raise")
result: 11h52m39s
